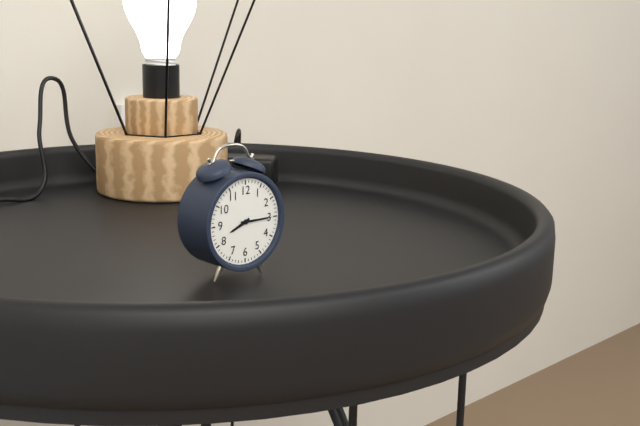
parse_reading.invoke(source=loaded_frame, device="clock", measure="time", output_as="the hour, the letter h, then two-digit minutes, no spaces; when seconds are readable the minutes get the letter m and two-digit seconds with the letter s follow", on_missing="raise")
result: 8h15
